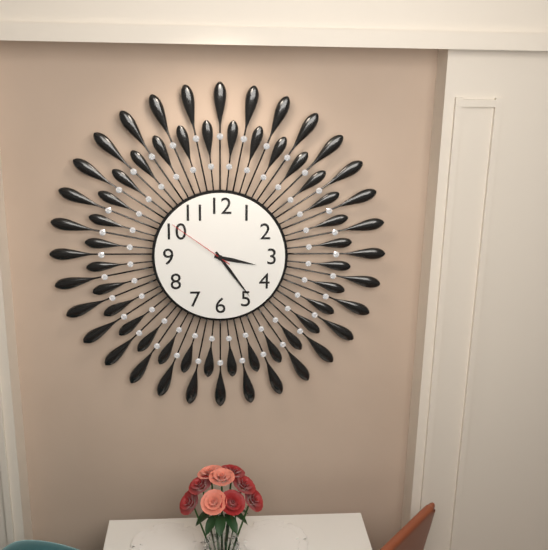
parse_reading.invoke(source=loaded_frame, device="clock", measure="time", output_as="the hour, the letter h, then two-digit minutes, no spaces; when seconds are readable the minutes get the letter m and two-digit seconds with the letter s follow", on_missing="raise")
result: 3h24m51s
